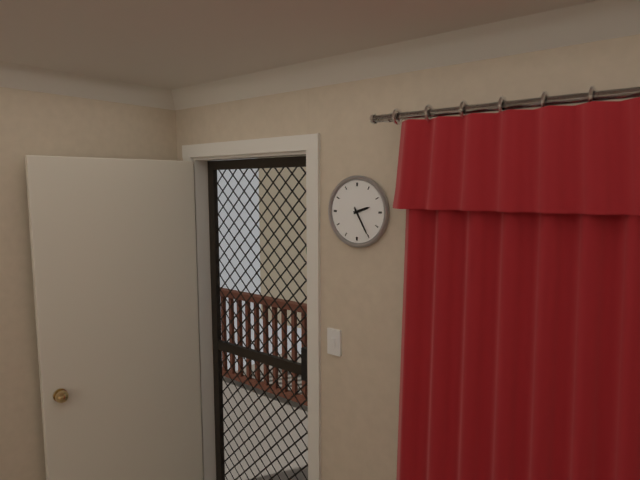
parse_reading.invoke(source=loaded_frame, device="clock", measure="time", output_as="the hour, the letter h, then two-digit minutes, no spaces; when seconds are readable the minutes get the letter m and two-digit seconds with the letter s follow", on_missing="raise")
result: 2h25
